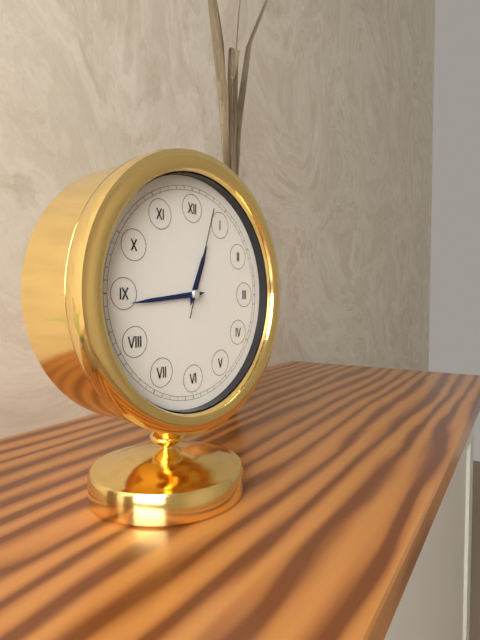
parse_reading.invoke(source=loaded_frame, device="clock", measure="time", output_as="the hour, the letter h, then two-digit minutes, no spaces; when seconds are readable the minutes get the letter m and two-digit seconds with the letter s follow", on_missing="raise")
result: 12h44m03s
